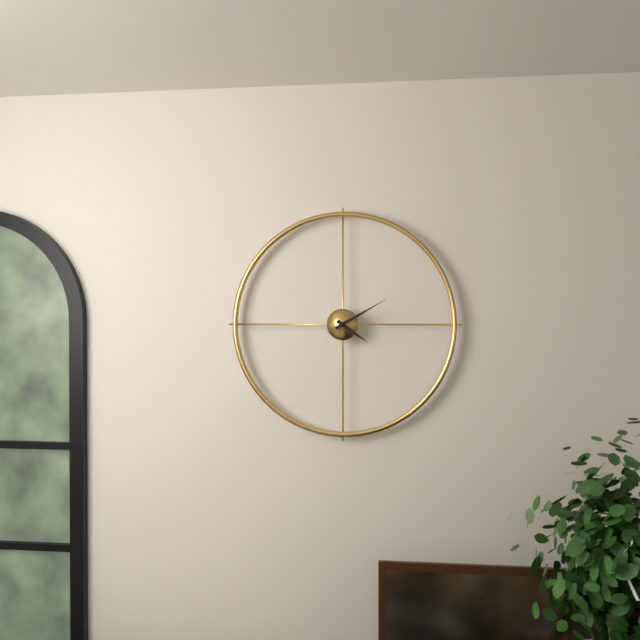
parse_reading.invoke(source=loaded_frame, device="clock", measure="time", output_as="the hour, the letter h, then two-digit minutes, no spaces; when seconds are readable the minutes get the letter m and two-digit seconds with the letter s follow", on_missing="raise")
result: 4h10
